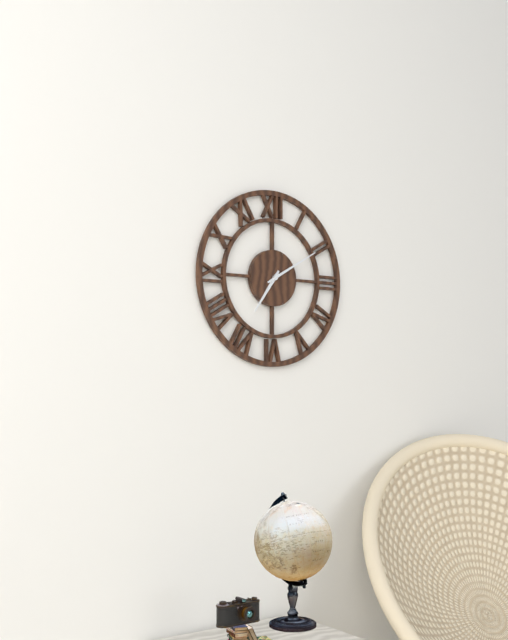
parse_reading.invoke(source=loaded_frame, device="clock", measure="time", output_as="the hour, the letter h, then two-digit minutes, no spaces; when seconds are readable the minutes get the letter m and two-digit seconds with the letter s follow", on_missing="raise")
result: 7h10
